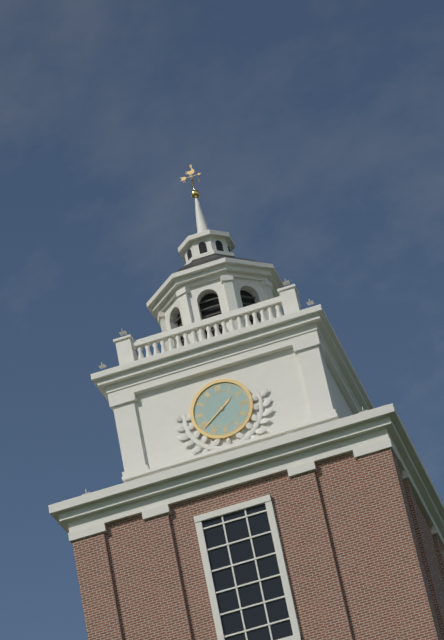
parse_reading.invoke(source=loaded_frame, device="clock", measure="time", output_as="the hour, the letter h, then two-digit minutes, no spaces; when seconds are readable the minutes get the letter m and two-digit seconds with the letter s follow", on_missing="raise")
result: 1h39
